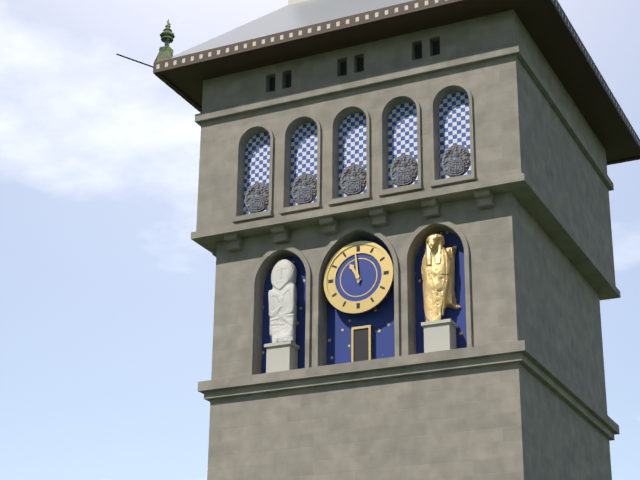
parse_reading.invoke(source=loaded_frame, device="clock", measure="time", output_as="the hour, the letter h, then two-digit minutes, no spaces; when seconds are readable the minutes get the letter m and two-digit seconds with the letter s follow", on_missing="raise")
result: 10h59
